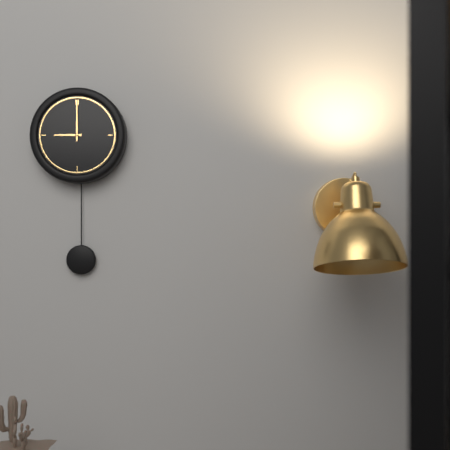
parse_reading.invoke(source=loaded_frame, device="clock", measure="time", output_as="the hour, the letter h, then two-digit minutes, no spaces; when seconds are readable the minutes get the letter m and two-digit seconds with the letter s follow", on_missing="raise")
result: 9h00
